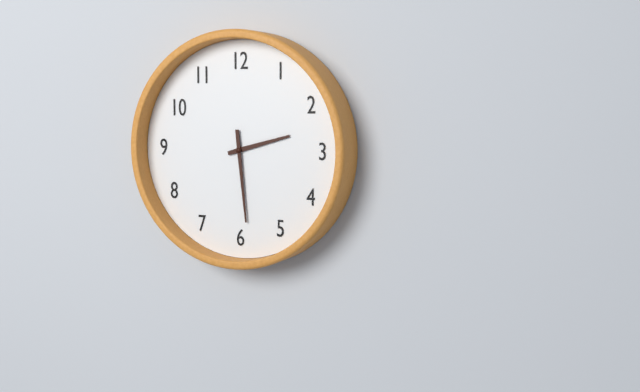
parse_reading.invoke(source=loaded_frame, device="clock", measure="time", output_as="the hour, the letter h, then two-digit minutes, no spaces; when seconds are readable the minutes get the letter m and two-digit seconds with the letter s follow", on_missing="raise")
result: 2h29
